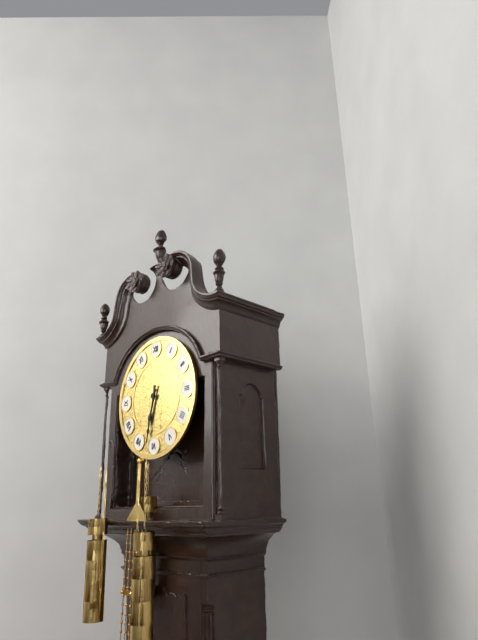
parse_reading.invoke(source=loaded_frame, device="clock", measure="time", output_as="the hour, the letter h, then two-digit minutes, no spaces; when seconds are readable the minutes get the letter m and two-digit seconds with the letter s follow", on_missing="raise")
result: 6h32
